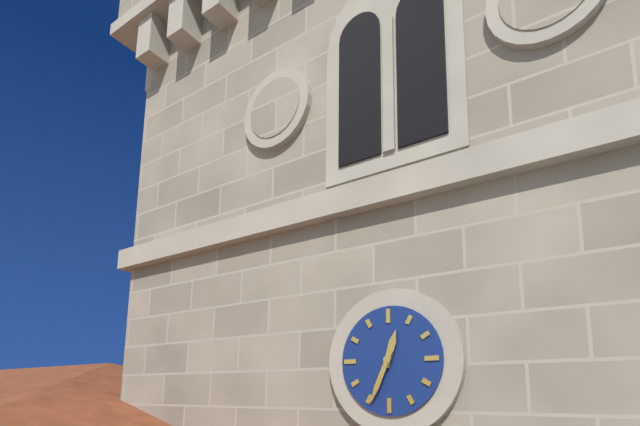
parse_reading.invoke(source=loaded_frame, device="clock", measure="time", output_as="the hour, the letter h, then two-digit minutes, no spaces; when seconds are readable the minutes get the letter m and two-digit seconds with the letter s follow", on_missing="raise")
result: 12h34
